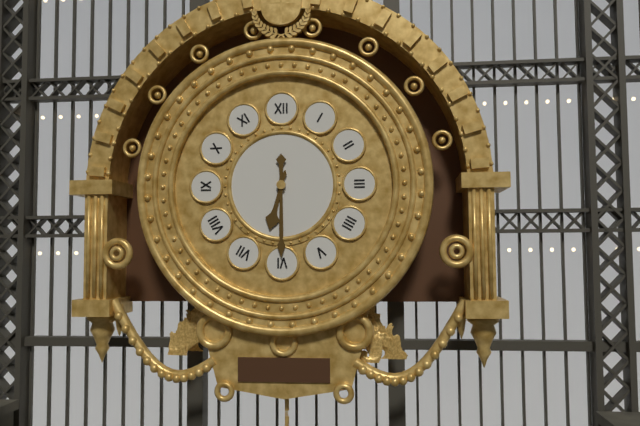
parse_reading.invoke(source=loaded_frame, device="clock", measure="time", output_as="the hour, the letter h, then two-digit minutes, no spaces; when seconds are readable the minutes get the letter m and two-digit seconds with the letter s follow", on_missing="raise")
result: 6h30
